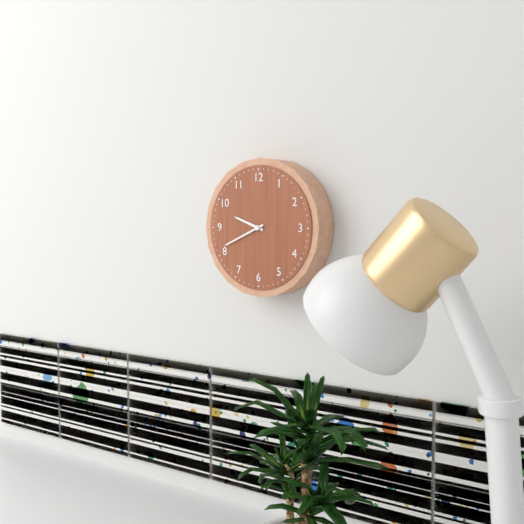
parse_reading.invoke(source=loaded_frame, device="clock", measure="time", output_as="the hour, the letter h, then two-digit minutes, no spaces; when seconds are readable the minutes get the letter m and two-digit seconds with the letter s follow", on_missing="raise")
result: 9h41
